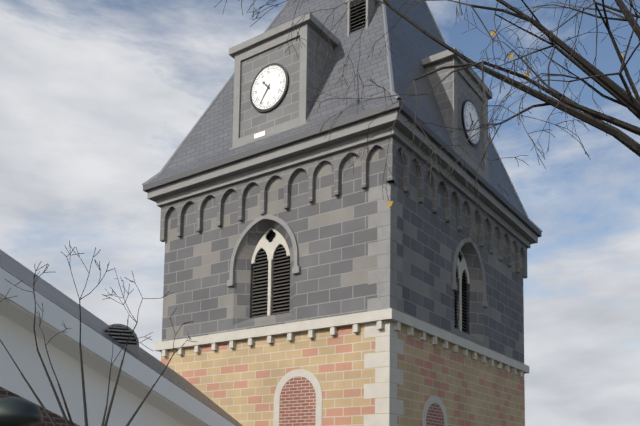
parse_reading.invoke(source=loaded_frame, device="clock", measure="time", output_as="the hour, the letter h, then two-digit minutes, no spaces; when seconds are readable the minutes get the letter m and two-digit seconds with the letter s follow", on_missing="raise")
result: 10h36
